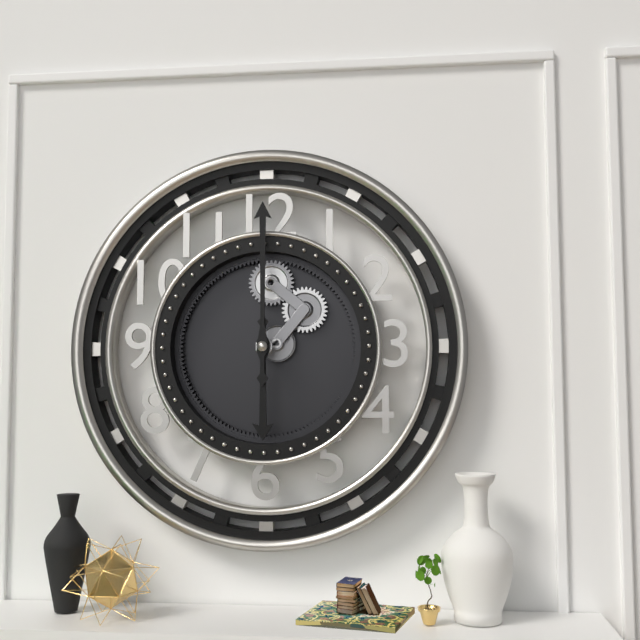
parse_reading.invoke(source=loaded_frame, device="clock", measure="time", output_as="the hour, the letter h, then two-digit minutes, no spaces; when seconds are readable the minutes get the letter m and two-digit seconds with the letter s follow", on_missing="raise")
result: 6h00
